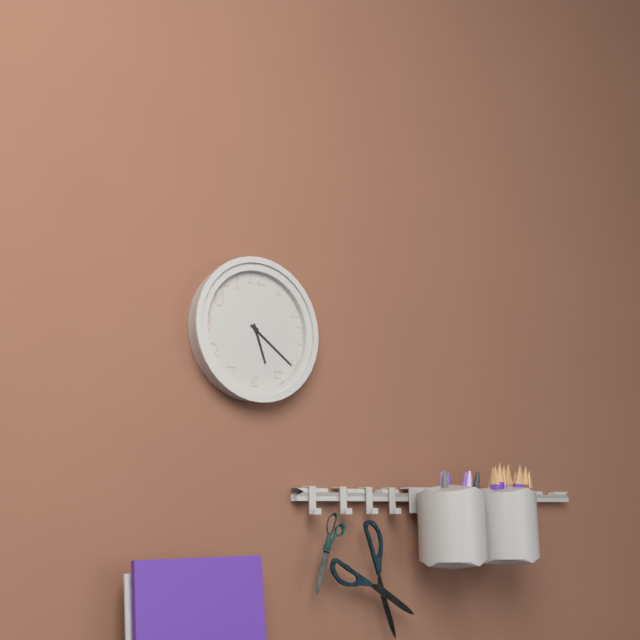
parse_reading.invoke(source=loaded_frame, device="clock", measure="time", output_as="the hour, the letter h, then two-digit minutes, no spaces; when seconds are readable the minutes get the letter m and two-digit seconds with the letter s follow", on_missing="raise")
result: 5h21
